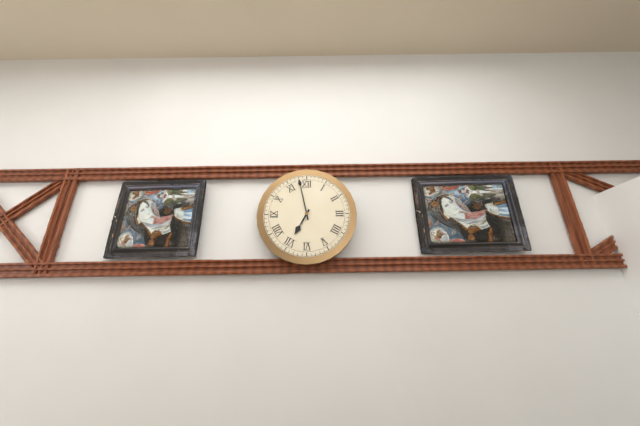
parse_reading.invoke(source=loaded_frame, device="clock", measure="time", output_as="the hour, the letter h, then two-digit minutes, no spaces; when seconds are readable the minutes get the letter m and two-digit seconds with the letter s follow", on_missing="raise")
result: 6h58
